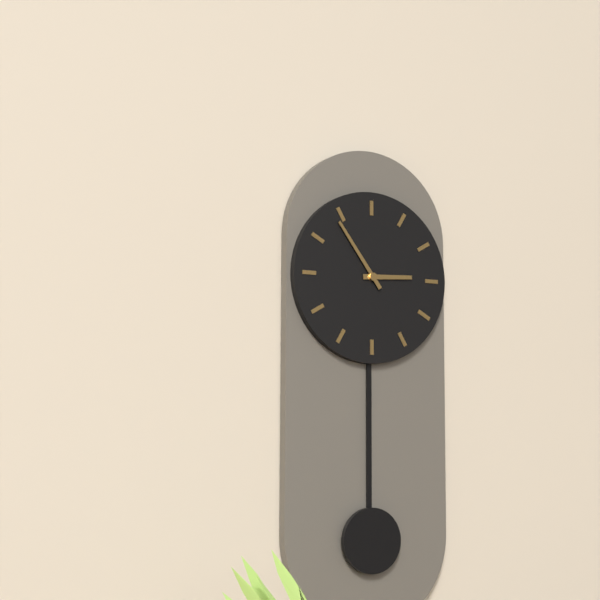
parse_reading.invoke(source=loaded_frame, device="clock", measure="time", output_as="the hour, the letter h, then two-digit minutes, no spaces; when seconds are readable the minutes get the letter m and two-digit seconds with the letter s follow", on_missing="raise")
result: 2h54
